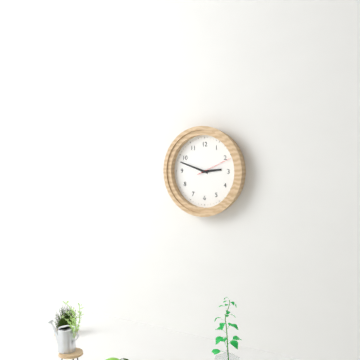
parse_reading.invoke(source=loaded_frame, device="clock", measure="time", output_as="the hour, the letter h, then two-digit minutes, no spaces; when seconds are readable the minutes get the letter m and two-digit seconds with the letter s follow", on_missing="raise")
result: 2h48
